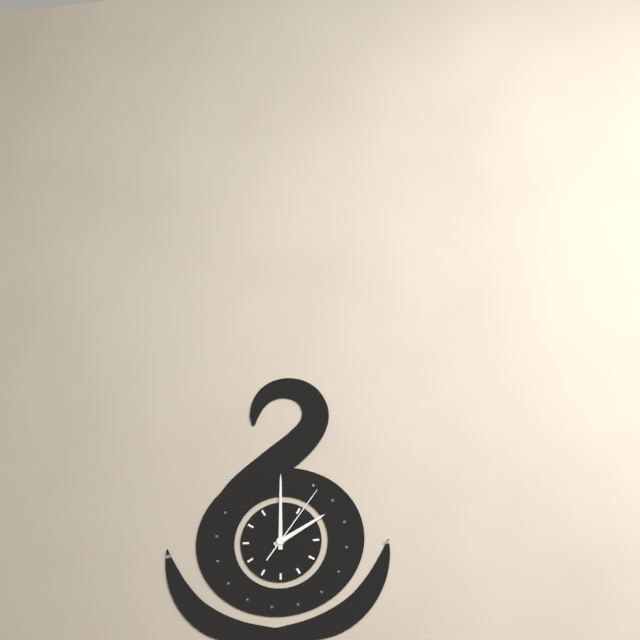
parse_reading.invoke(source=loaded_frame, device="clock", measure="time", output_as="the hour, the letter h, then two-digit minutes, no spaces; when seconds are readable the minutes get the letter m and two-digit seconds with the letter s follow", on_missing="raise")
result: 2h00m06s
